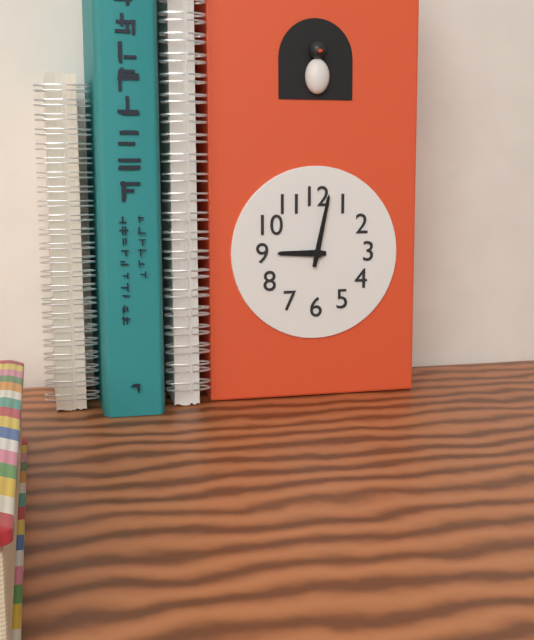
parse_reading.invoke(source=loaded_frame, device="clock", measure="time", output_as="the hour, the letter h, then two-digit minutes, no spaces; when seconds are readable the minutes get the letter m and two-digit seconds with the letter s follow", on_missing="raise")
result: 9h02
